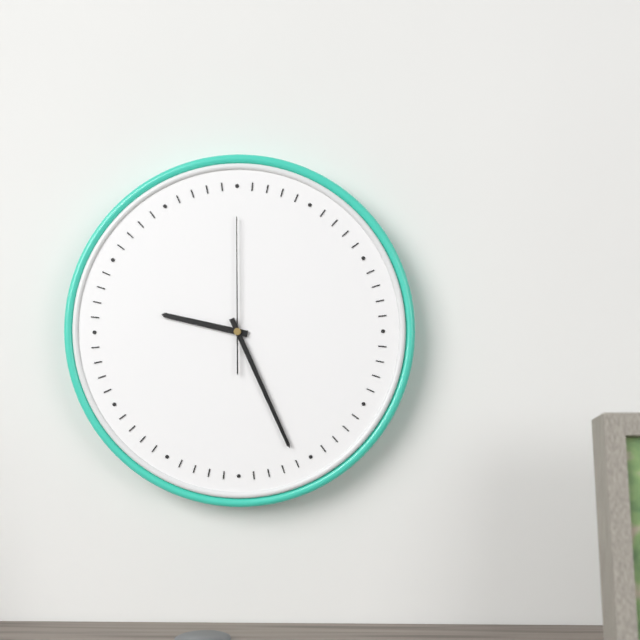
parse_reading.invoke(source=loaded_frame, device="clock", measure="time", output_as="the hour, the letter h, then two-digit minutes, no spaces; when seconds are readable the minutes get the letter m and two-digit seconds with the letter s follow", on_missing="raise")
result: 9h26m00s
